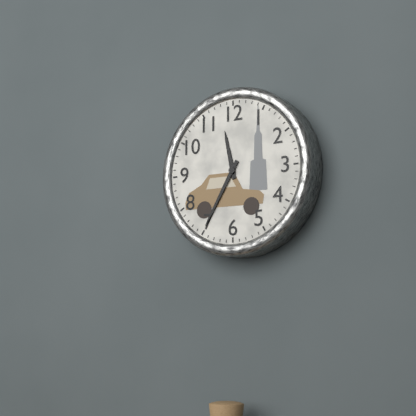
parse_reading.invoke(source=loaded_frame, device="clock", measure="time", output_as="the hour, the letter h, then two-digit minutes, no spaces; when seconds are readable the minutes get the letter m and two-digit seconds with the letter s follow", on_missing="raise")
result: 11h35
